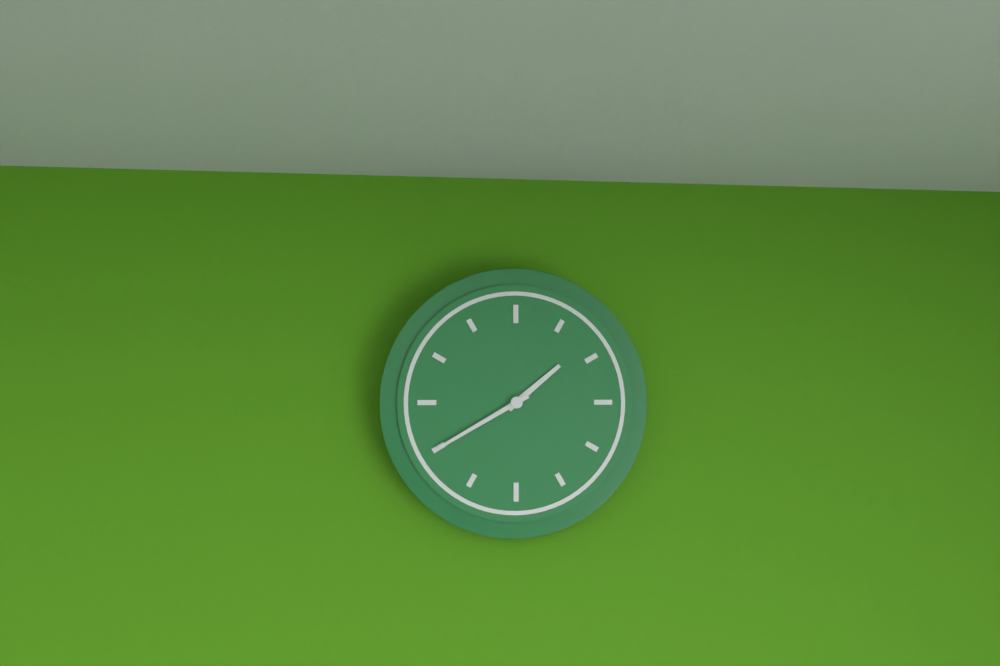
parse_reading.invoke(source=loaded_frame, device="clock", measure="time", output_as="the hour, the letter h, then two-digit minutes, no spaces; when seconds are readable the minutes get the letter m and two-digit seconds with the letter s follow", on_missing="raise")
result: 1h40
